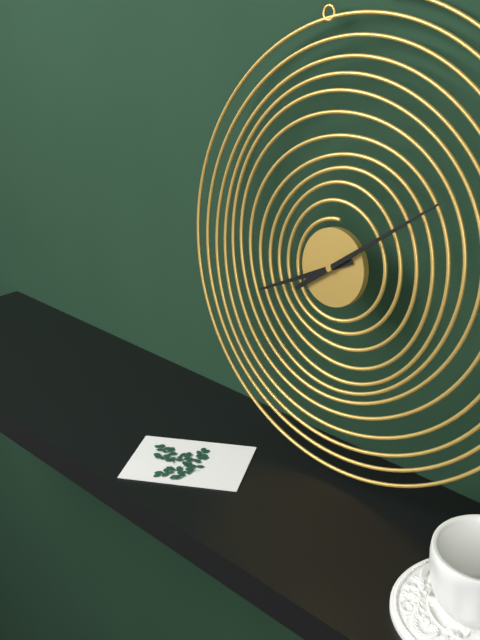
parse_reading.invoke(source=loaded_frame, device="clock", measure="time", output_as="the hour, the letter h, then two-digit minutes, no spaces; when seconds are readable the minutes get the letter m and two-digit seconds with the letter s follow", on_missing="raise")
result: 8h09
